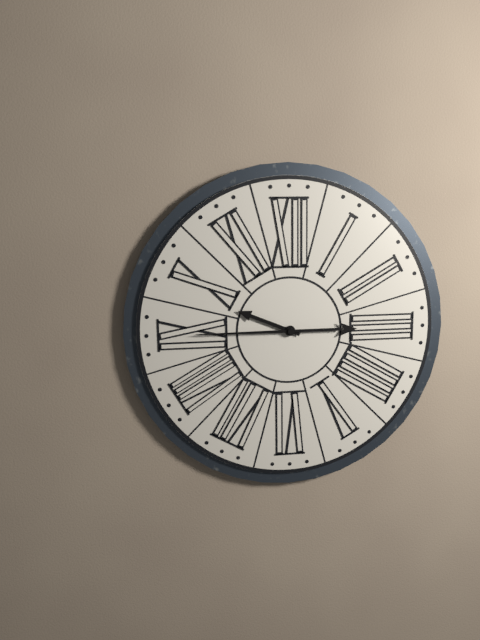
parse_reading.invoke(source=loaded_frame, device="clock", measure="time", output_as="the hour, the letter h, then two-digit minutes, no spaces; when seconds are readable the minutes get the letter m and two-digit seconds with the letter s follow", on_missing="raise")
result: 9h45
